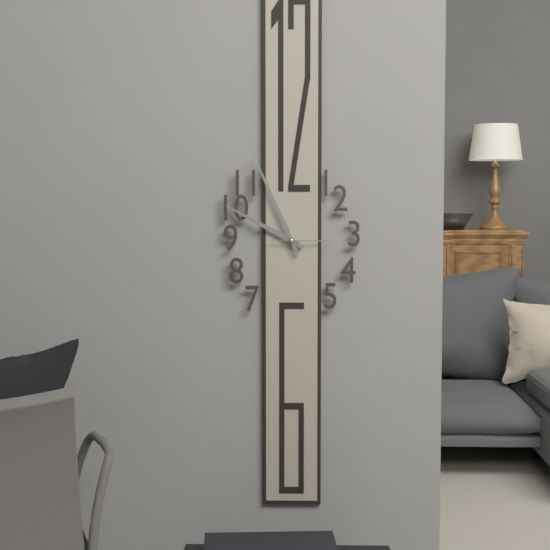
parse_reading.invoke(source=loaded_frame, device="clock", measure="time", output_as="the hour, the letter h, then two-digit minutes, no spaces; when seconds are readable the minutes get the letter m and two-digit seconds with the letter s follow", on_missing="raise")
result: 9h56m15s
